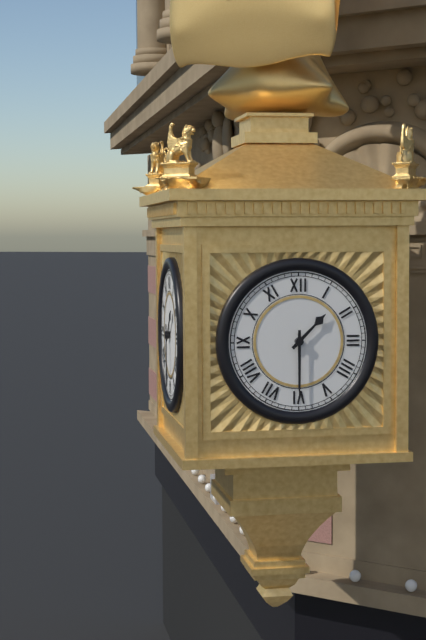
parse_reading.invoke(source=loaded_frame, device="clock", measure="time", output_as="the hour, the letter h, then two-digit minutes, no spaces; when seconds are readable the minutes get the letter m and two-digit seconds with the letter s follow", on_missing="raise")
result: 1h30
